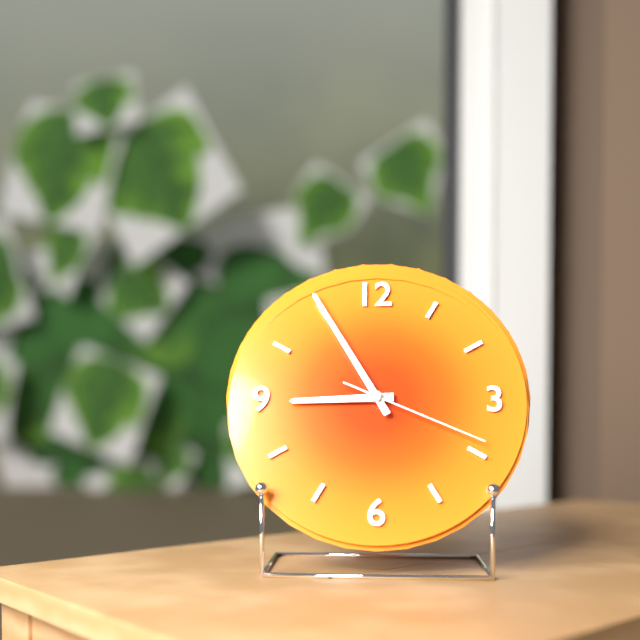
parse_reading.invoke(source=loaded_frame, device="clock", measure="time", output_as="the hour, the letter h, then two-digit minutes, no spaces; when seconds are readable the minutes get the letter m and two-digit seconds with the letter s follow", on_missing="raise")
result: 8h55m19s
